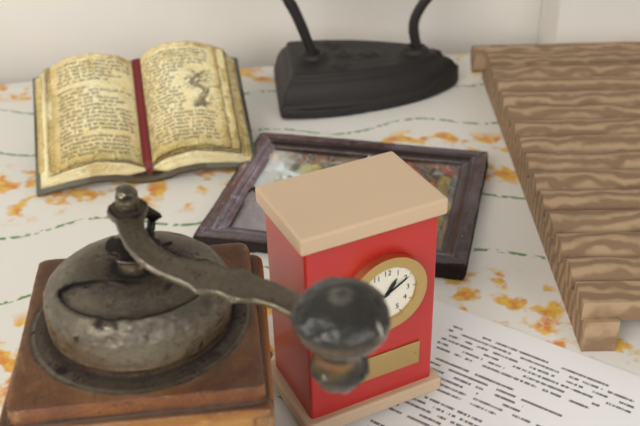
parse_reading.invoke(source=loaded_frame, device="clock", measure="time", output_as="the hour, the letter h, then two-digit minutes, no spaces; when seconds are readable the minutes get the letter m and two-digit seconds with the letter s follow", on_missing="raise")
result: 1h10
